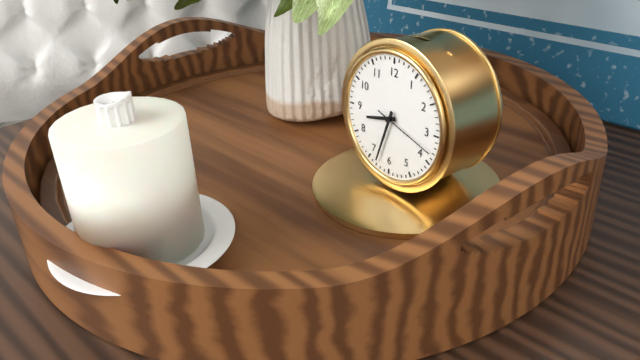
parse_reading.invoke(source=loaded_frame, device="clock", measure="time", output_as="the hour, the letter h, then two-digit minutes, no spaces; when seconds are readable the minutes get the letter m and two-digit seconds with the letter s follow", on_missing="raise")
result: 8h33m18s
